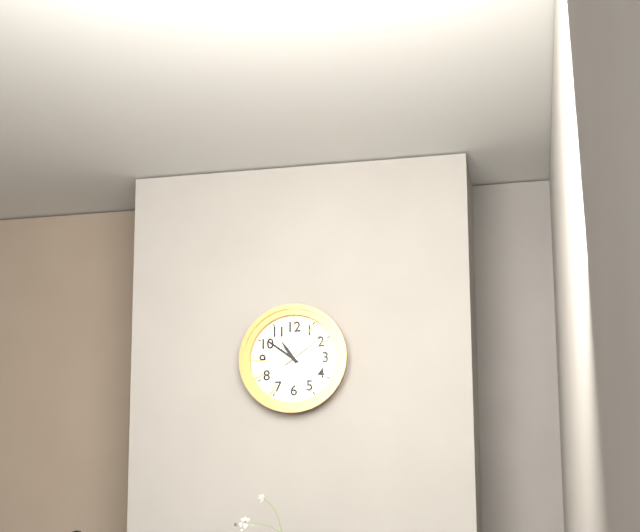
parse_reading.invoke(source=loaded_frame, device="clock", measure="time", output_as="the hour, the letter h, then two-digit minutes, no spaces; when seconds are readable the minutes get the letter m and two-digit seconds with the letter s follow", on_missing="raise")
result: 10h51
